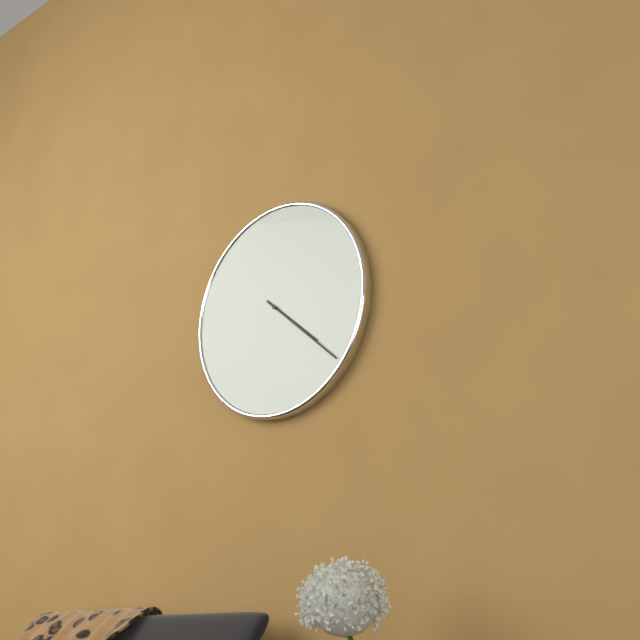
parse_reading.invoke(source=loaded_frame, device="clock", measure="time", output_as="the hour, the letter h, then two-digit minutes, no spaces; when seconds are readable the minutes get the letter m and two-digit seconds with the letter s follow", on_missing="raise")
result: 4h22
